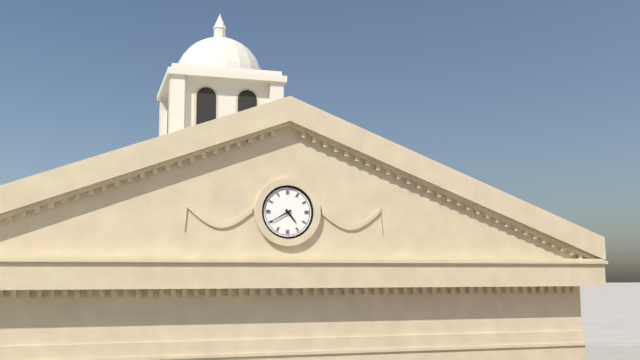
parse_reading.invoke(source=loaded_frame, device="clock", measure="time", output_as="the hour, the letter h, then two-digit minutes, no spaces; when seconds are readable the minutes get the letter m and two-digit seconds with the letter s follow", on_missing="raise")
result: 4h40
